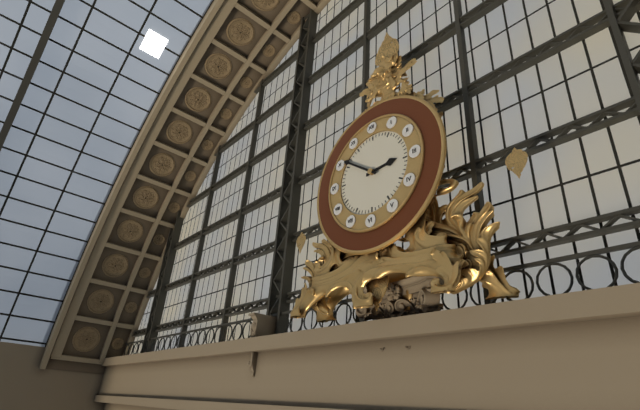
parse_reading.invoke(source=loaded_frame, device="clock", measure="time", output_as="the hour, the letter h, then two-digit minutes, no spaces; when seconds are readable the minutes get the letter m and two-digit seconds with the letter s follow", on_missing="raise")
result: 2h51
